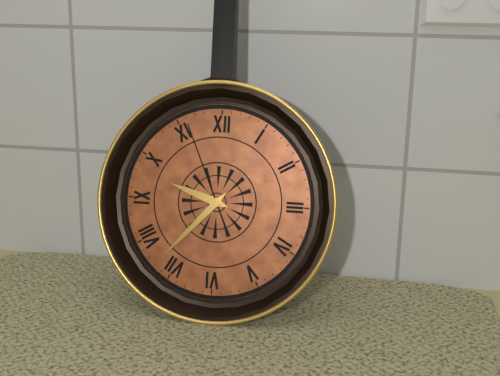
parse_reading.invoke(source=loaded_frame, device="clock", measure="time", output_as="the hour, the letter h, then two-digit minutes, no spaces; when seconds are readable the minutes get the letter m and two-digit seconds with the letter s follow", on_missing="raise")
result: 9h37m56s
